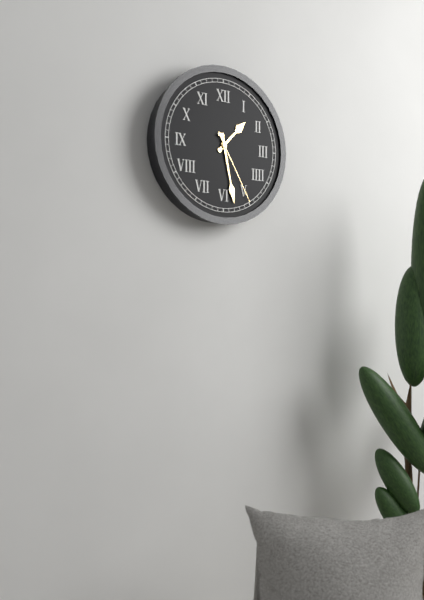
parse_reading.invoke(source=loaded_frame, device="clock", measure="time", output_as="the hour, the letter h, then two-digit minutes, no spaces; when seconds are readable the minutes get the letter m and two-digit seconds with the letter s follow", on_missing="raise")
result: 1h28m25s
